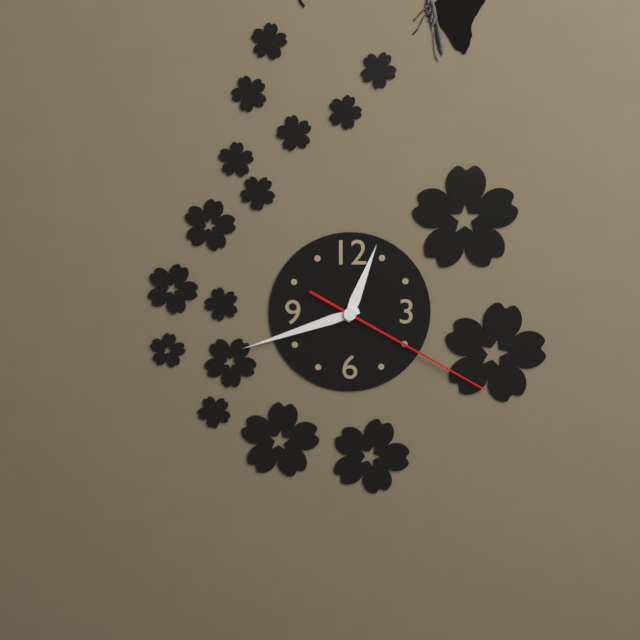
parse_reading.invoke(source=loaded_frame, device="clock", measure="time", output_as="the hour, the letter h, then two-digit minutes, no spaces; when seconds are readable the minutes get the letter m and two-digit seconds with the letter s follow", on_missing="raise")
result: 12h42m20s
